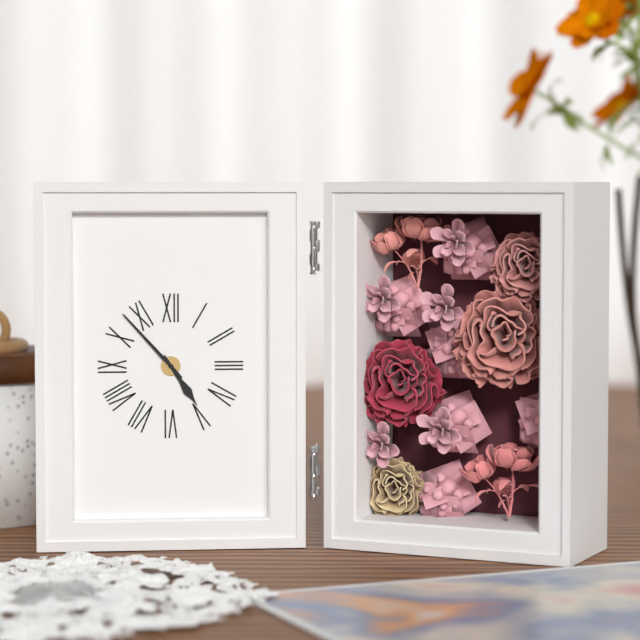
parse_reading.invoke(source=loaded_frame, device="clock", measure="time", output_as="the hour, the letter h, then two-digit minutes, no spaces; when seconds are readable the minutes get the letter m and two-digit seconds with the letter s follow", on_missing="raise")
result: 4h53
